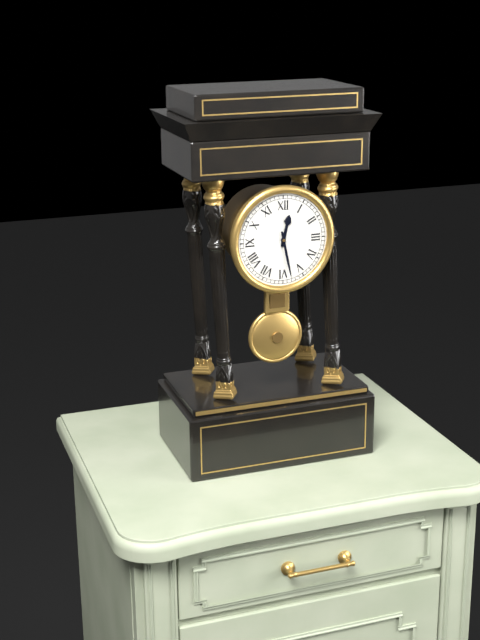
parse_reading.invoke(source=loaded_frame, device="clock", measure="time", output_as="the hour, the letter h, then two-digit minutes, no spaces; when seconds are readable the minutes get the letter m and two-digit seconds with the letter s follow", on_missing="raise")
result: 12h28
